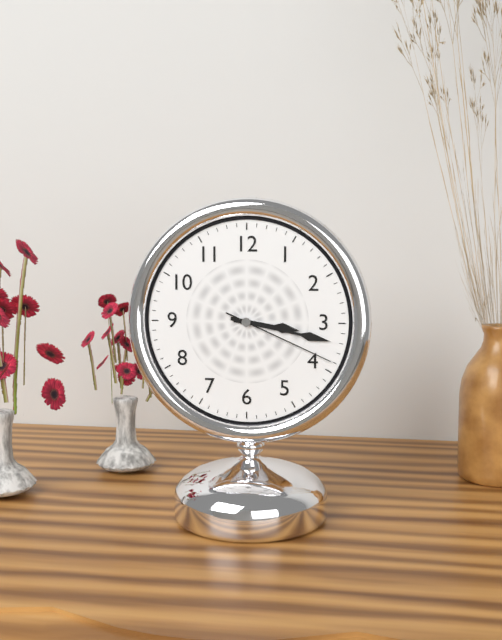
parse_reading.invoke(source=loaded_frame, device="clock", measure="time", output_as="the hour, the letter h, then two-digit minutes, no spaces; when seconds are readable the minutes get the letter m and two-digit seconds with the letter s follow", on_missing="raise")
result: 3h17m19s
